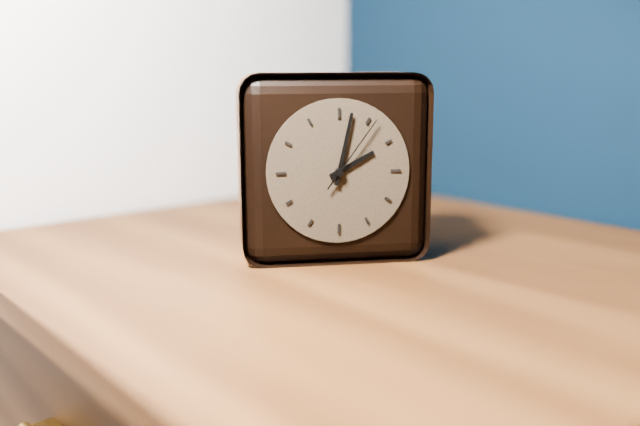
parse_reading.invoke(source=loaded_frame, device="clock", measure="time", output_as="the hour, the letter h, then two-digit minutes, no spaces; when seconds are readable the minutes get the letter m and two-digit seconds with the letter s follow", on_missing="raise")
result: 2h02m06s
